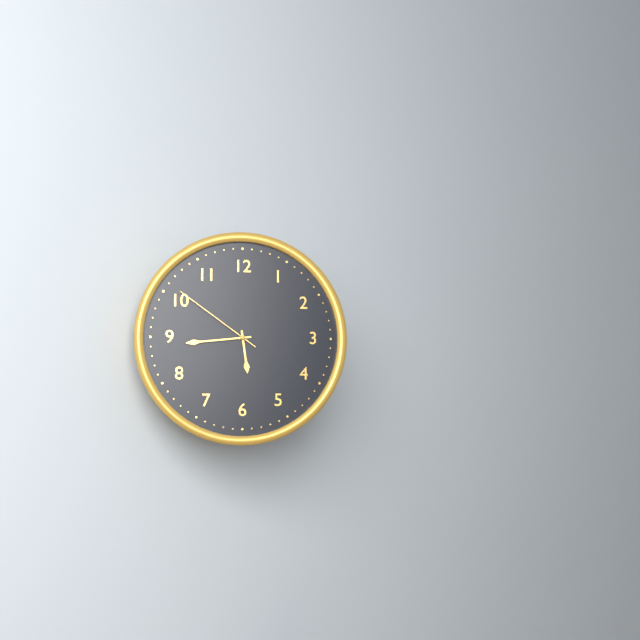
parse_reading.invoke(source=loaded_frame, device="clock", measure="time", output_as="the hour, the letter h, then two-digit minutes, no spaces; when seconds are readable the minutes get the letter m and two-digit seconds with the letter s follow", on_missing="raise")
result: 5h44m51s
